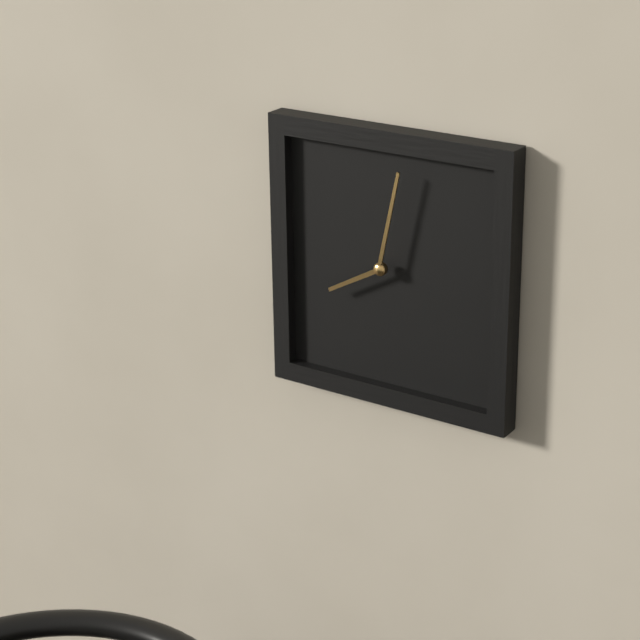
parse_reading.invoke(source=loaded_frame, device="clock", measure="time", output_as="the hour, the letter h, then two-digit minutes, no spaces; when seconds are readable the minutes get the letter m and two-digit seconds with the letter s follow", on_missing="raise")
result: 8h02
